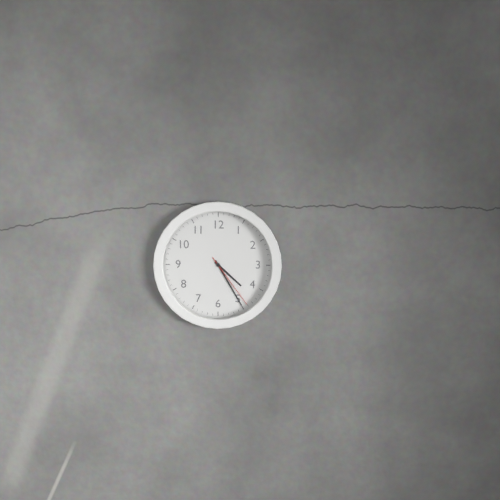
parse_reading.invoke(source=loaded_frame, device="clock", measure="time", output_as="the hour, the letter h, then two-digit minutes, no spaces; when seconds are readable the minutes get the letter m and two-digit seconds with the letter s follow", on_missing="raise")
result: 4h25m24s
